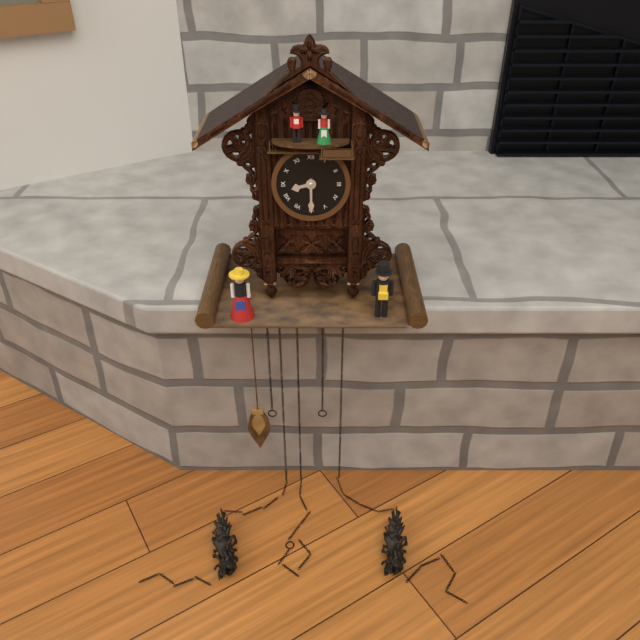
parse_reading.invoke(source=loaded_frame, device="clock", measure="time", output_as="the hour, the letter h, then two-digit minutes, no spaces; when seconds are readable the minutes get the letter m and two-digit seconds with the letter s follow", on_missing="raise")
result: 8h30
